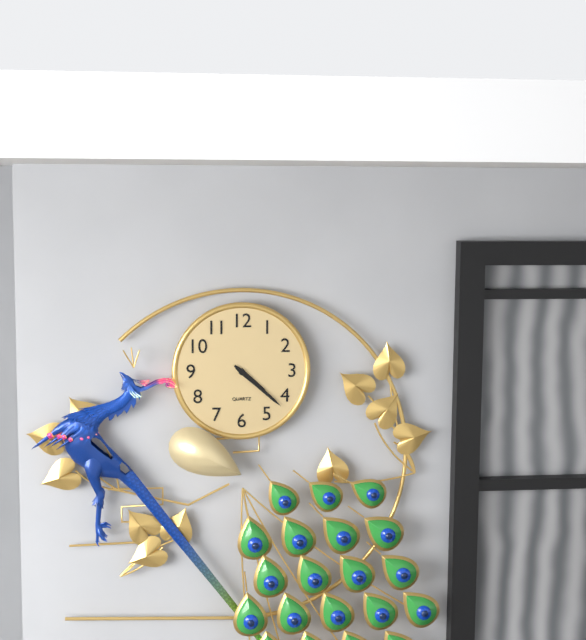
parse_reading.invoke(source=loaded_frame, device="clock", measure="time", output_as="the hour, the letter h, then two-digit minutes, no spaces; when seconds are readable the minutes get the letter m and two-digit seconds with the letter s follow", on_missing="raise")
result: 4h22
